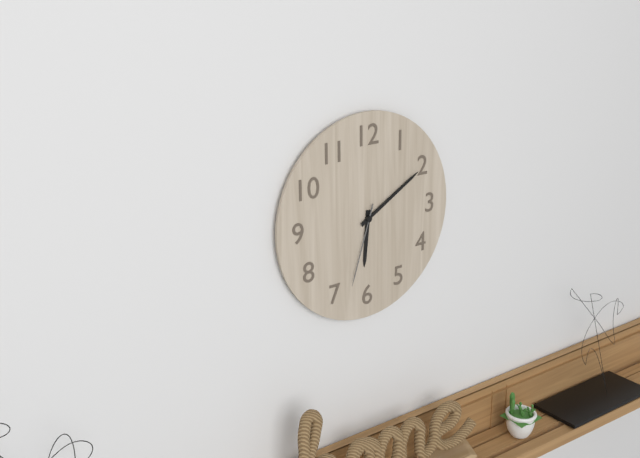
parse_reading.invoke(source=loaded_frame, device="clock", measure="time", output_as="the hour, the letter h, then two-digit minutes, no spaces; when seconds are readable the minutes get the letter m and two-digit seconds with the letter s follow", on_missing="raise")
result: 6h10m33s
